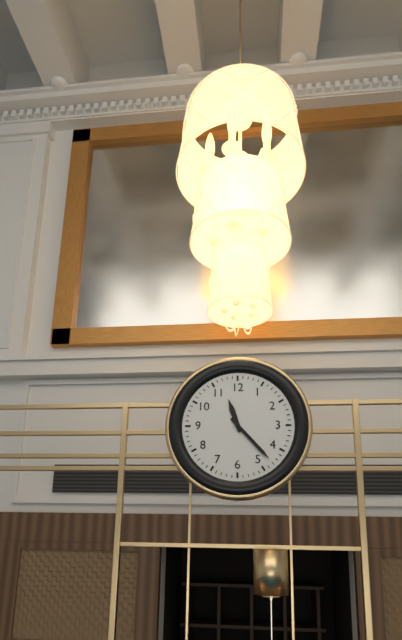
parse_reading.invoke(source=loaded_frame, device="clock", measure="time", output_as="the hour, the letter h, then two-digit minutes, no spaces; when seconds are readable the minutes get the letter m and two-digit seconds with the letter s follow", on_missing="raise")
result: 11h23
